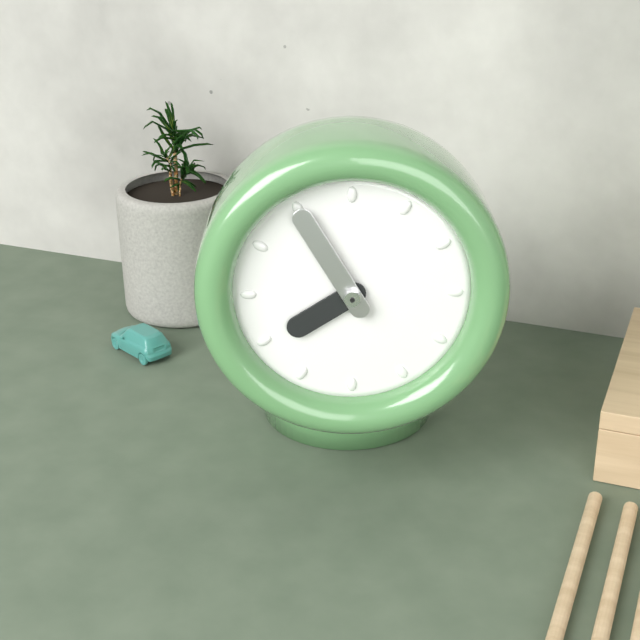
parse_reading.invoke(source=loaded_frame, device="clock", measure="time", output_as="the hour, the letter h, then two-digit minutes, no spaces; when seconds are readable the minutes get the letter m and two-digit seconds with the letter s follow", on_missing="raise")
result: 7h55
